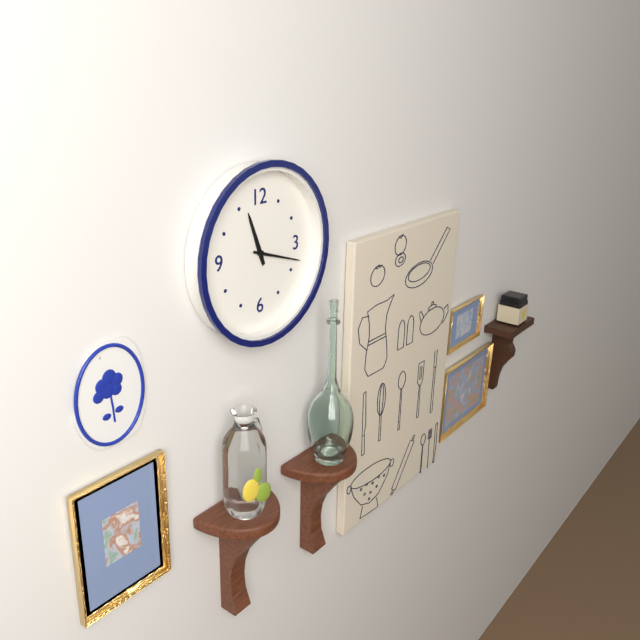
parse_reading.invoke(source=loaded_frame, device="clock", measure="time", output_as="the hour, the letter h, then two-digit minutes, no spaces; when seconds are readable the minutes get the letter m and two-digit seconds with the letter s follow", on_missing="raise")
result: 11h18
